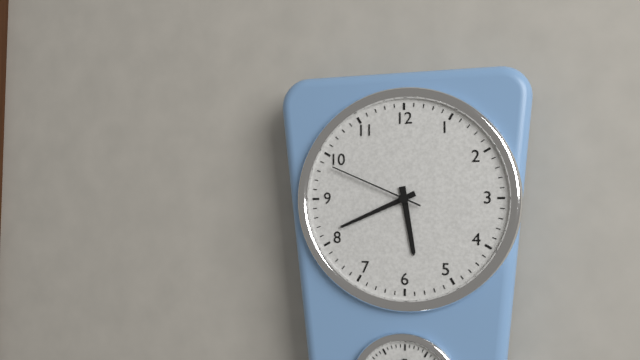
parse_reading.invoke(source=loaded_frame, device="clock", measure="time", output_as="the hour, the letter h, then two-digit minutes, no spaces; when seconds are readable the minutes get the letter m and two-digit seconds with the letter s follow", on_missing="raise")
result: 5h41m49s
